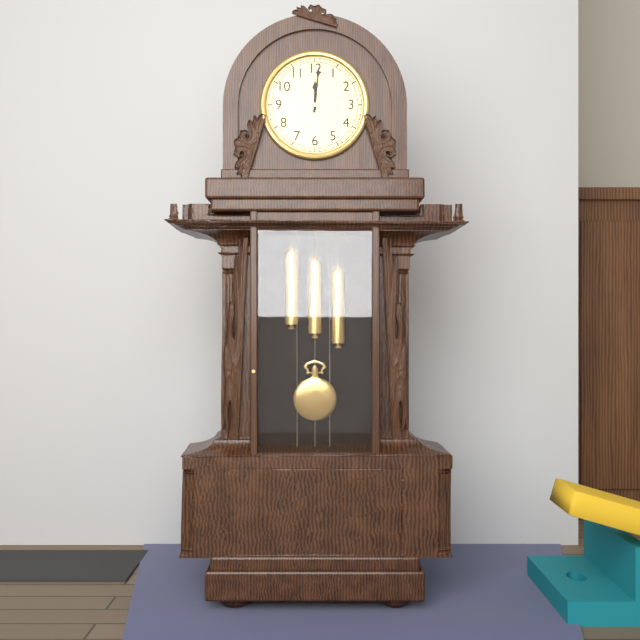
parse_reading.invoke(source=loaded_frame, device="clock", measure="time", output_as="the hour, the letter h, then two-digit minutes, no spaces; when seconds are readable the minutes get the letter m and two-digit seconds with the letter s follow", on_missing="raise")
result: 12h01
